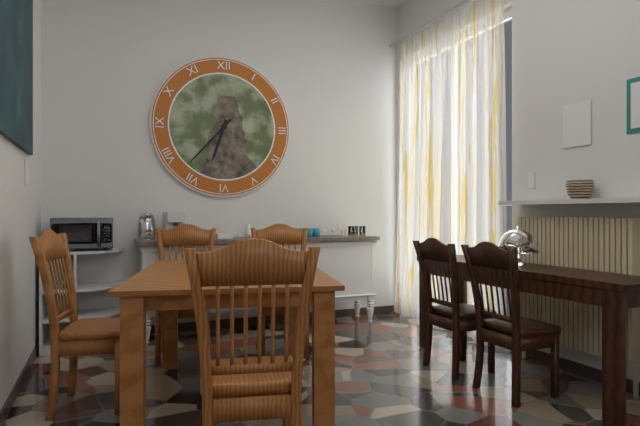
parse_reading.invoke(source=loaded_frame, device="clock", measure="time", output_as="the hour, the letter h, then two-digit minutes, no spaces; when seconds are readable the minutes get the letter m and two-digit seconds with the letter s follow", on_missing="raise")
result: 6h37
